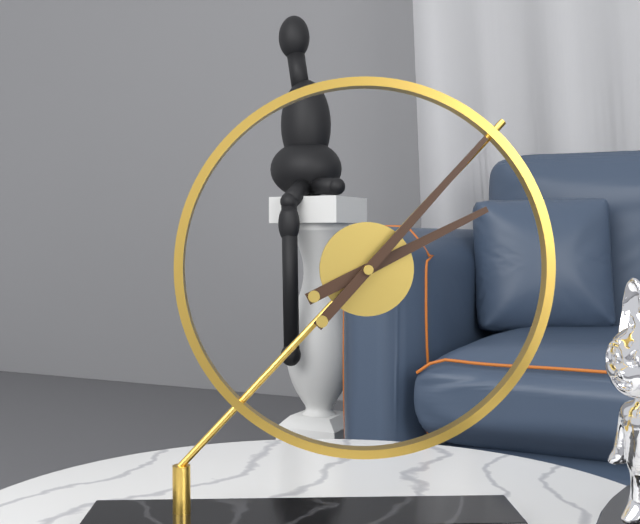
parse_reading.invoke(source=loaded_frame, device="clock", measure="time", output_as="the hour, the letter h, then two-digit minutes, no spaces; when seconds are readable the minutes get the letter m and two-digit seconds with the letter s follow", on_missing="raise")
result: 2h07
